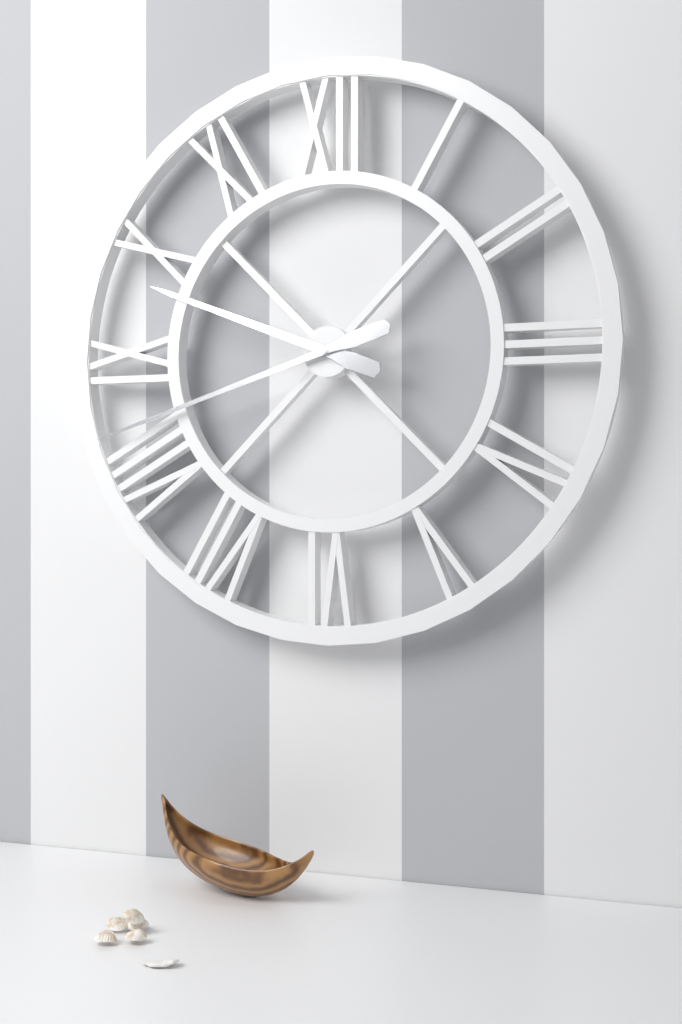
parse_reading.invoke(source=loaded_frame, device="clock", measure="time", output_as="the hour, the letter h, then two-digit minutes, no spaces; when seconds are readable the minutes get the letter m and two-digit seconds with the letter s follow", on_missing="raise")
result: 9h42
